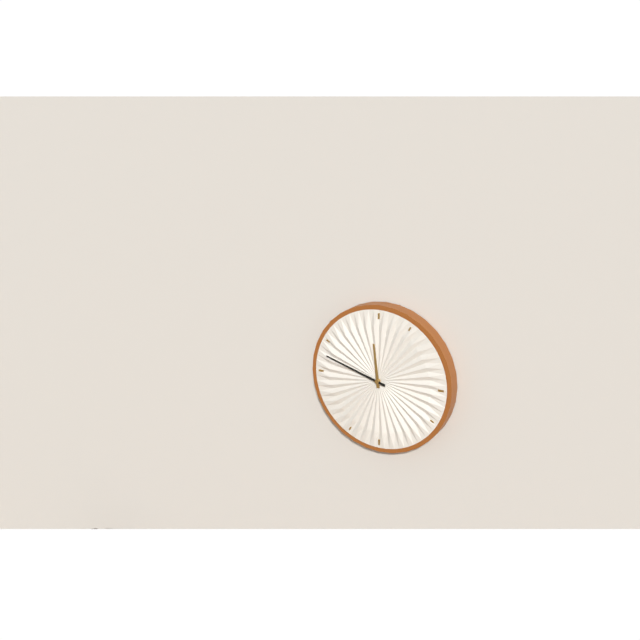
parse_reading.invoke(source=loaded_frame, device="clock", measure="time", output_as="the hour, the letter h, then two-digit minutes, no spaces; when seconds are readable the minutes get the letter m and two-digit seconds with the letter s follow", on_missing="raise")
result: 11h48
